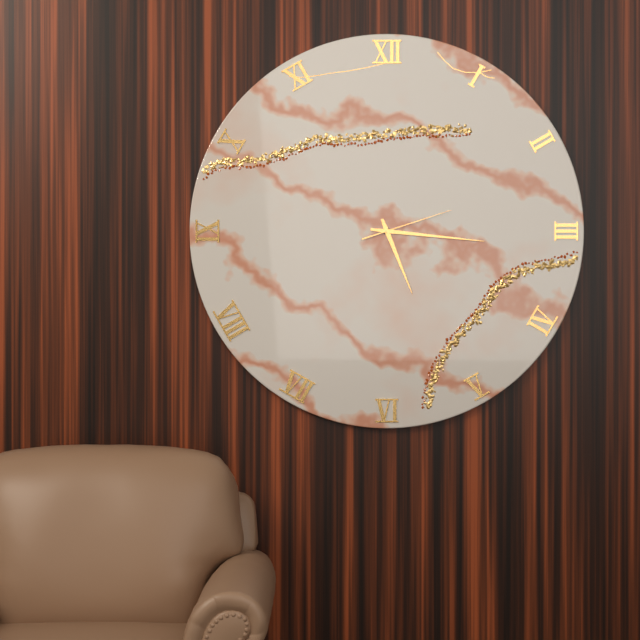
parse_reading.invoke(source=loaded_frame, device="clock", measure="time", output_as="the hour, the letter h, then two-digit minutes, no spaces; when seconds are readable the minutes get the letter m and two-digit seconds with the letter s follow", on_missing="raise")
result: 5h16m12s
